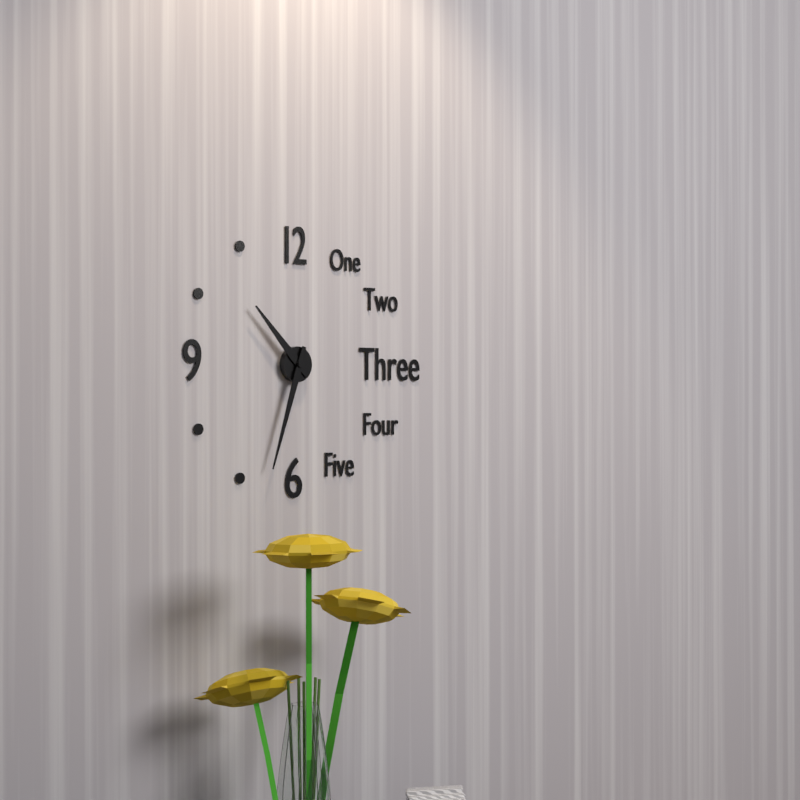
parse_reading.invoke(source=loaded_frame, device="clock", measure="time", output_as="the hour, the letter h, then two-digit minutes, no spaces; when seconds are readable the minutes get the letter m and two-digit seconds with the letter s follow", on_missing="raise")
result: 10h33
